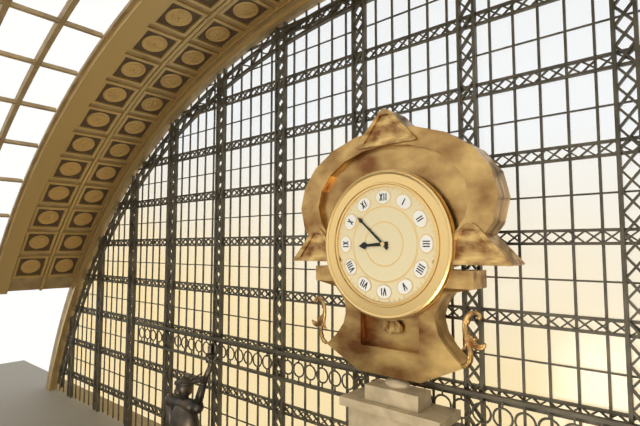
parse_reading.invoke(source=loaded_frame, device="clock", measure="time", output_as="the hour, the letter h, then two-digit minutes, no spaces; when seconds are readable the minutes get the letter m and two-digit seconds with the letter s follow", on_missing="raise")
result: 8h52
